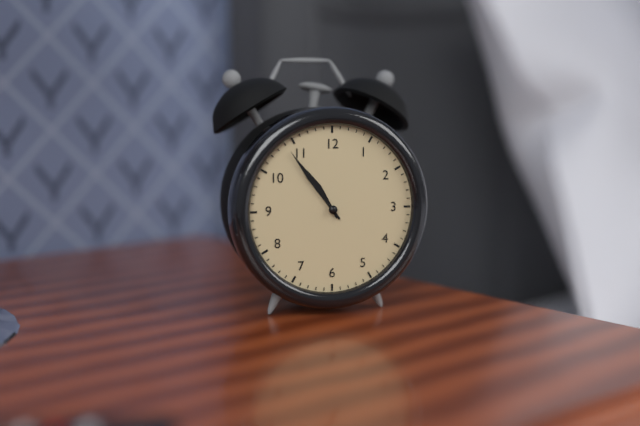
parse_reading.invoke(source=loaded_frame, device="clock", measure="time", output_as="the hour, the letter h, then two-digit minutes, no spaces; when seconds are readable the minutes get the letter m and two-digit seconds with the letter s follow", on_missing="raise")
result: 10h54
